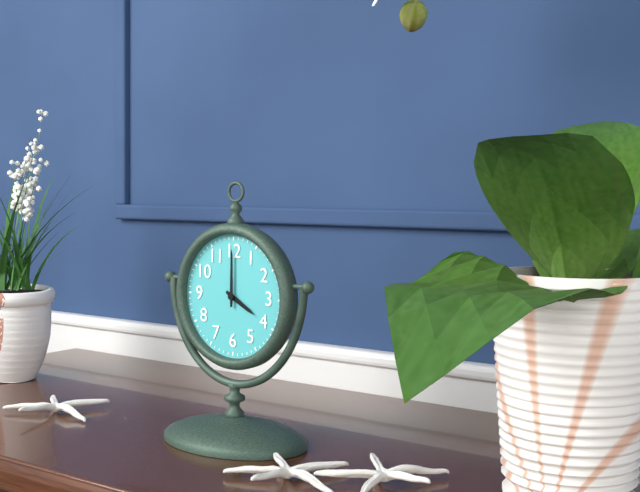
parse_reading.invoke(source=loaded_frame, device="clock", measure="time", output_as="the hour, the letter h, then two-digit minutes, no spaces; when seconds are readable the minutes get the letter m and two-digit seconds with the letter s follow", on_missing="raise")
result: 4h00
